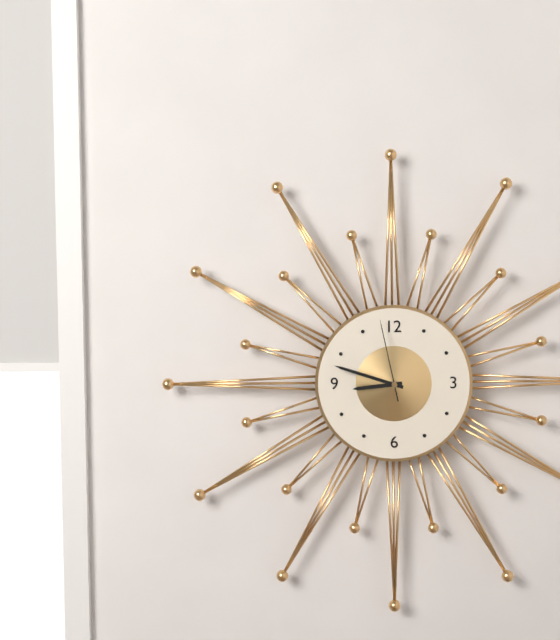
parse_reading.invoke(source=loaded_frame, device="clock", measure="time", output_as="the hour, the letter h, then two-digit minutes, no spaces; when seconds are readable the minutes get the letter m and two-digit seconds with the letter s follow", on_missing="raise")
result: 8h48m58s
